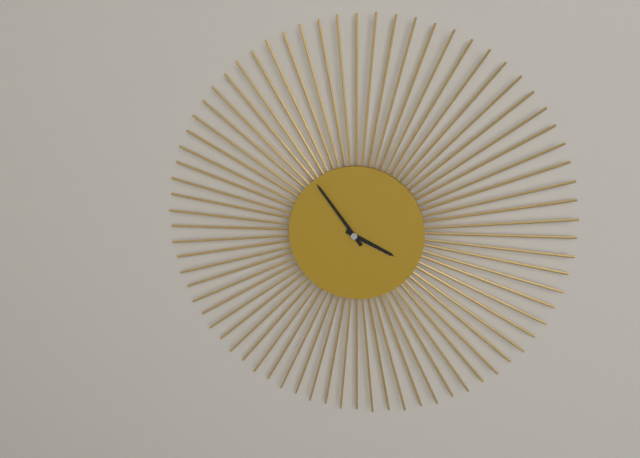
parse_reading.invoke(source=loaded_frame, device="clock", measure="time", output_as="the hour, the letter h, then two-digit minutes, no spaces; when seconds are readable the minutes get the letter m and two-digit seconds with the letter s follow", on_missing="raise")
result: 3h54
